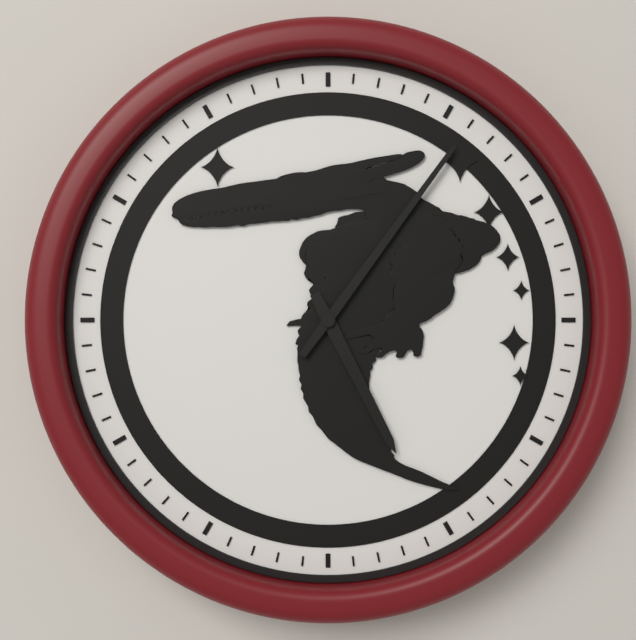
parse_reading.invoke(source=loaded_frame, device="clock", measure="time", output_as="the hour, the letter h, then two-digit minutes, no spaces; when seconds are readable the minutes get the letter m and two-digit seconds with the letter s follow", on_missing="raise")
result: 5h06
